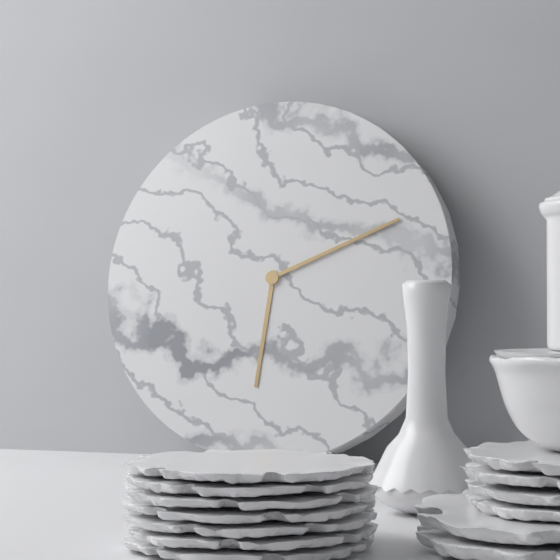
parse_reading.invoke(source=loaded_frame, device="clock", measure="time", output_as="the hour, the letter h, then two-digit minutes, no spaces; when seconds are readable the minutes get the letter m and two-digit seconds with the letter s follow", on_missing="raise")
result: 6h11
